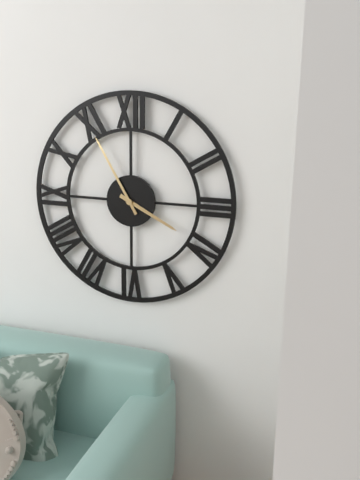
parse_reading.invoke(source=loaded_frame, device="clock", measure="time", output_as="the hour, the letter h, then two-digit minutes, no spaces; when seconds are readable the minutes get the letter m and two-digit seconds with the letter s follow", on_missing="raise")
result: 3h55
